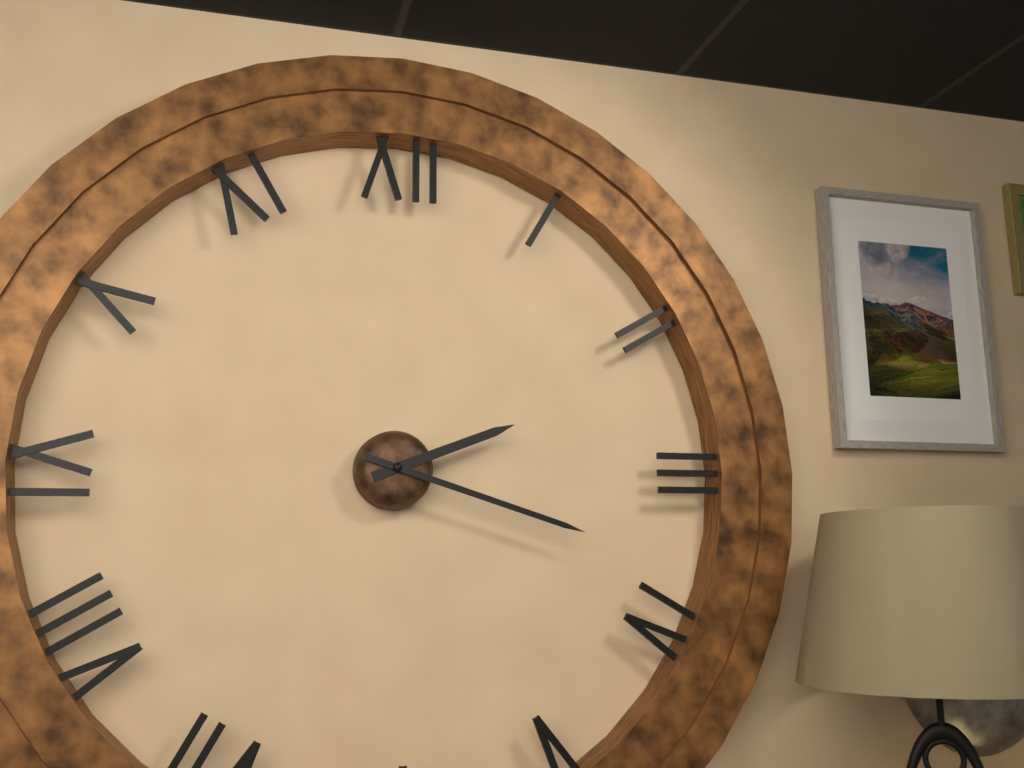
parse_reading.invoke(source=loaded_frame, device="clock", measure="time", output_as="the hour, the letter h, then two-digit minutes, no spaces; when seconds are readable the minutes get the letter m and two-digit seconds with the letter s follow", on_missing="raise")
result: 2h18
